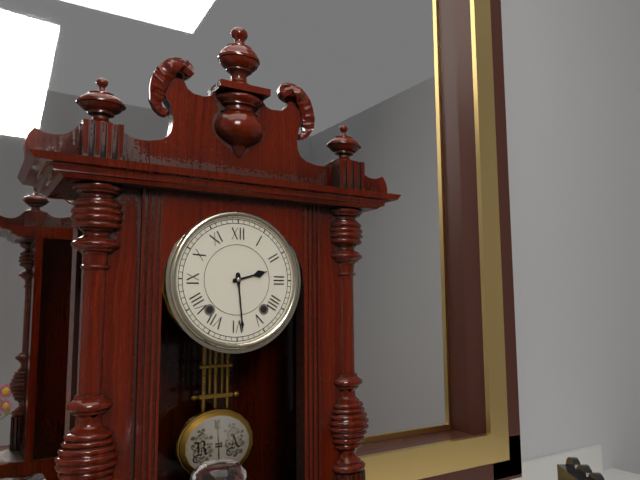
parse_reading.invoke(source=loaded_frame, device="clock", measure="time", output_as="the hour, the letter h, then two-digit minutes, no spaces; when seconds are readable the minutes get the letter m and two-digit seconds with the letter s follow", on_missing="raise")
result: 2h29
